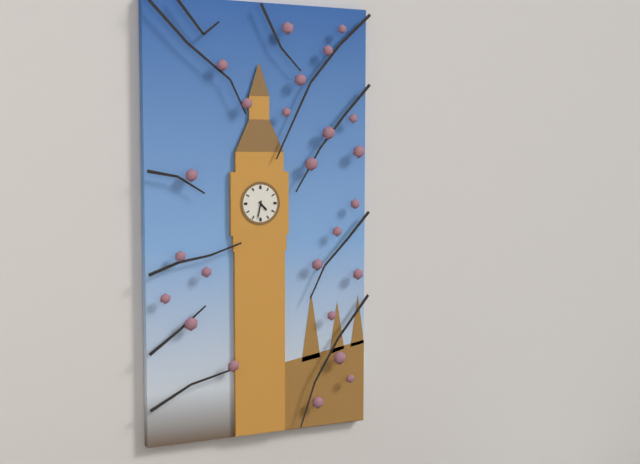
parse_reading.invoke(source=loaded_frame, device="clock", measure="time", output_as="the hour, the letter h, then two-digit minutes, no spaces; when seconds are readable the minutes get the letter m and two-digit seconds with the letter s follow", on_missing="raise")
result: 4h32
